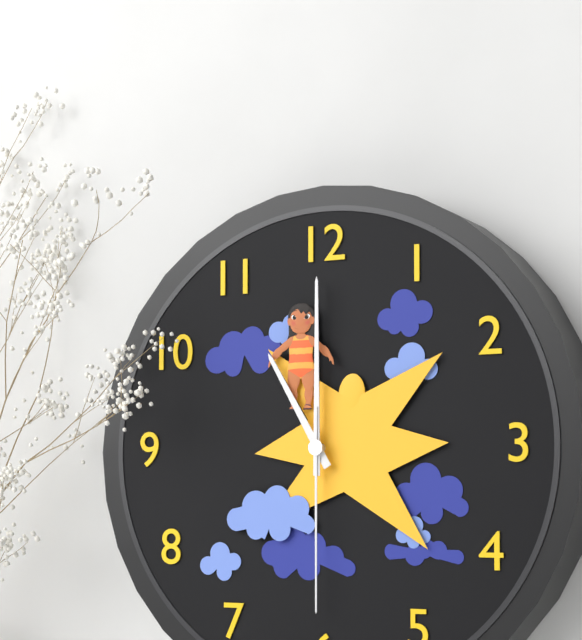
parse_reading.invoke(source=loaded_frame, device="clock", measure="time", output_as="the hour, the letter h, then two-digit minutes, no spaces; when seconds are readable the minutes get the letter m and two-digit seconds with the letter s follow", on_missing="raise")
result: 11h00m30s
